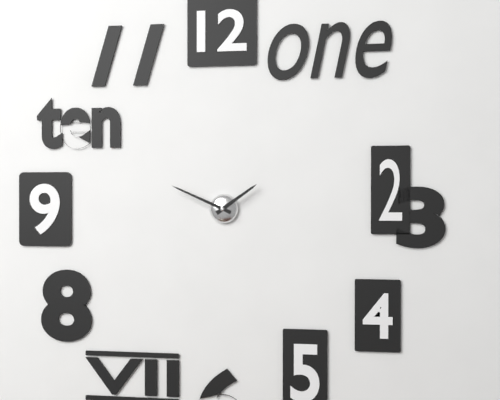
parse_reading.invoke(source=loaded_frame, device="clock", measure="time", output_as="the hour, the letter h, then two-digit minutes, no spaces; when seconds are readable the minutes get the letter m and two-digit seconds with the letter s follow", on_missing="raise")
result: 1h49
